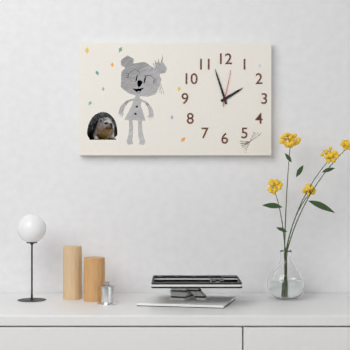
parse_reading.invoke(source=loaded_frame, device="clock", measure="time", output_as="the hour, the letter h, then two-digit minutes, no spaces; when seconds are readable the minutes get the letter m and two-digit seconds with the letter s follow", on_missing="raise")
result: 1h57
